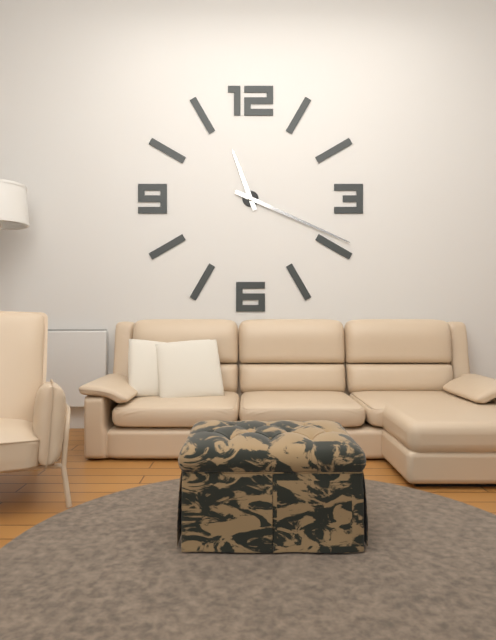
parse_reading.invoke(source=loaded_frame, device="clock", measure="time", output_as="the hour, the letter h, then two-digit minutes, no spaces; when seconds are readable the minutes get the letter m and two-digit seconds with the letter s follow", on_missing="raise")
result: 11h19
